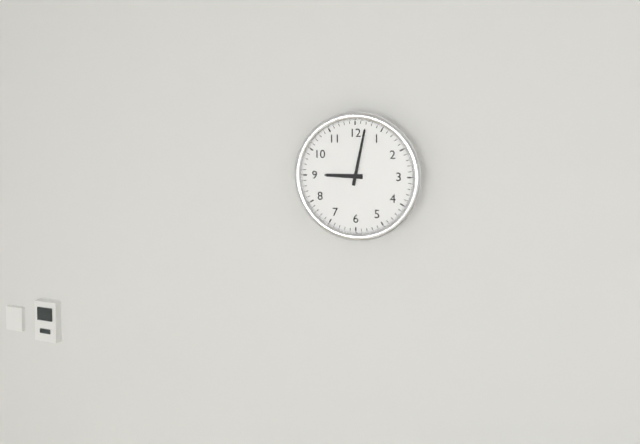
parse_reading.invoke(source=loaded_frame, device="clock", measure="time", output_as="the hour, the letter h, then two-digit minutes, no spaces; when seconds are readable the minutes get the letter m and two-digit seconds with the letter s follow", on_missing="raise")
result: 9h02
